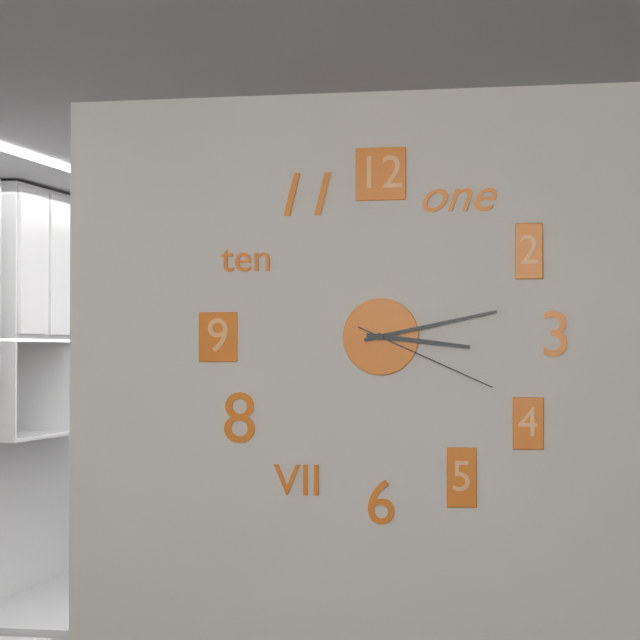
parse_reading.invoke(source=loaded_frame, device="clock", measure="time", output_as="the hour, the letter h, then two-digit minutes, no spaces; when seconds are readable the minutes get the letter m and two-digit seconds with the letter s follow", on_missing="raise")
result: 3h13m19s
